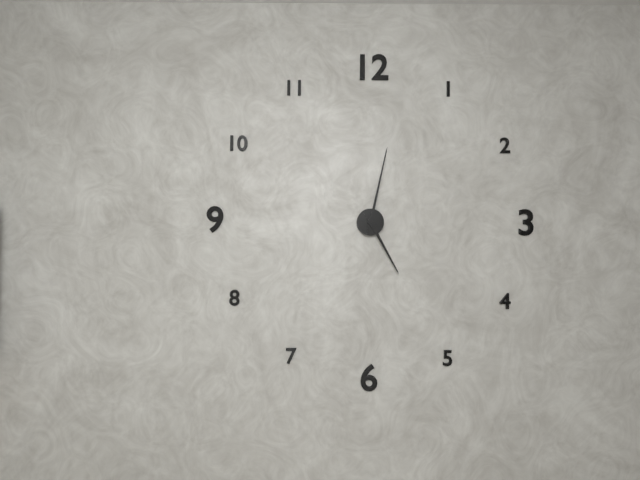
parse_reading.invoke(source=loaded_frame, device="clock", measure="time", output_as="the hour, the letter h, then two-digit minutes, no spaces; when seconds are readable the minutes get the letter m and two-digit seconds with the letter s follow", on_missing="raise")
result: 5h02
